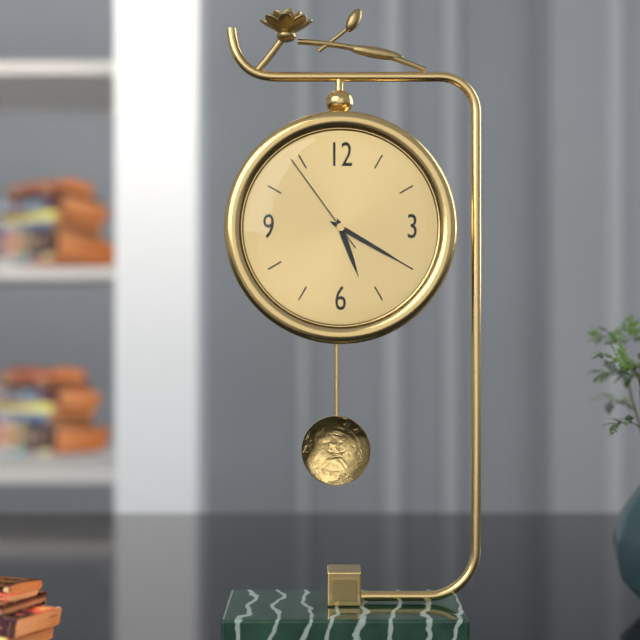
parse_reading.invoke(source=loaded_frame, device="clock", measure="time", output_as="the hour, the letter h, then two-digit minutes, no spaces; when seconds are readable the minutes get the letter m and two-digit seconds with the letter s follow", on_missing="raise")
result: 5h20m54s
